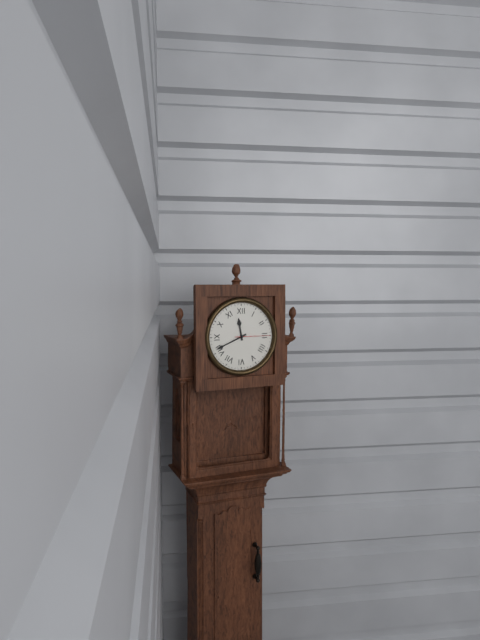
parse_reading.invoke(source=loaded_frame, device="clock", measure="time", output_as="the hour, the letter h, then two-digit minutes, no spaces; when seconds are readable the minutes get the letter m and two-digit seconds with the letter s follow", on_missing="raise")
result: 11h41
